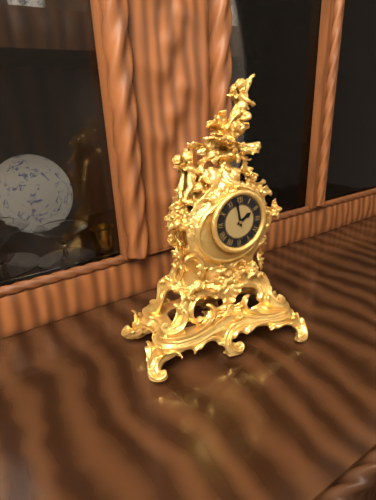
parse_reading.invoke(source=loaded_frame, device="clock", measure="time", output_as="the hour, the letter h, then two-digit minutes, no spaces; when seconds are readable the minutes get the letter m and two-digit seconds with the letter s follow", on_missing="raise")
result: 1h58
